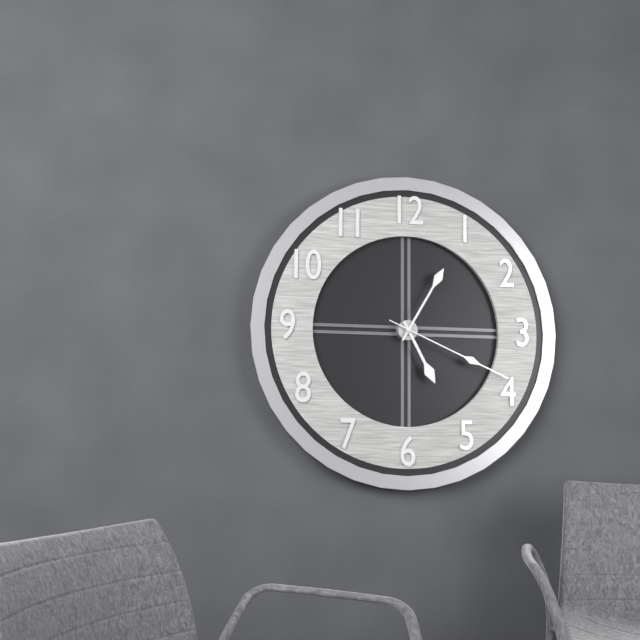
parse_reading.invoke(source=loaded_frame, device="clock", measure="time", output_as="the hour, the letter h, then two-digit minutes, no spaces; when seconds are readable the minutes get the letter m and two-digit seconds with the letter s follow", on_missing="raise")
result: 5h05m19s
